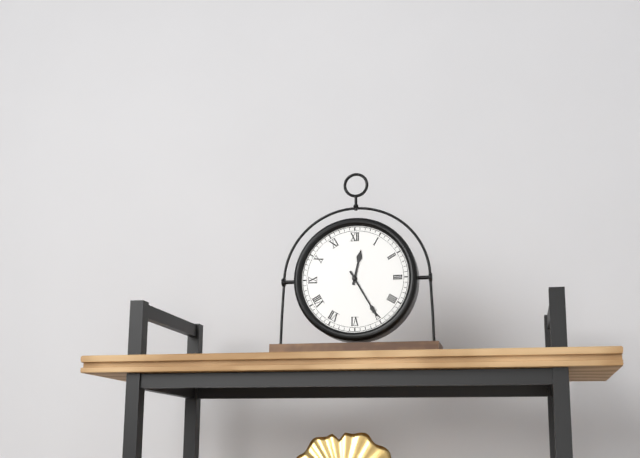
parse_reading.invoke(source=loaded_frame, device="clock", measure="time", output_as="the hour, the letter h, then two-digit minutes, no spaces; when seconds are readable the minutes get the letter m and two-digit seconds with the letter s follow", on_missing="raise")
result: 12h25
